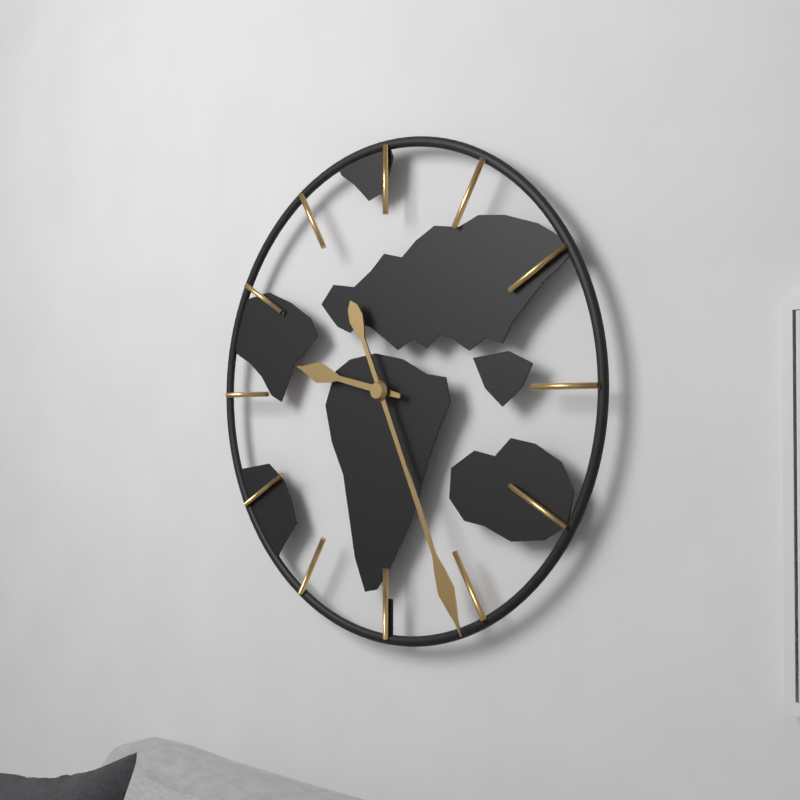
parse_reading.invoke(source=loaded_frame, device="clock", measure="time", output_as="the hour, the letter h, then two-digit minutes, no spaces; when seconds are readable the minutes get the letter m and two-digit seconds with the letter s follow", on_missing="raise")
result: 9h26
